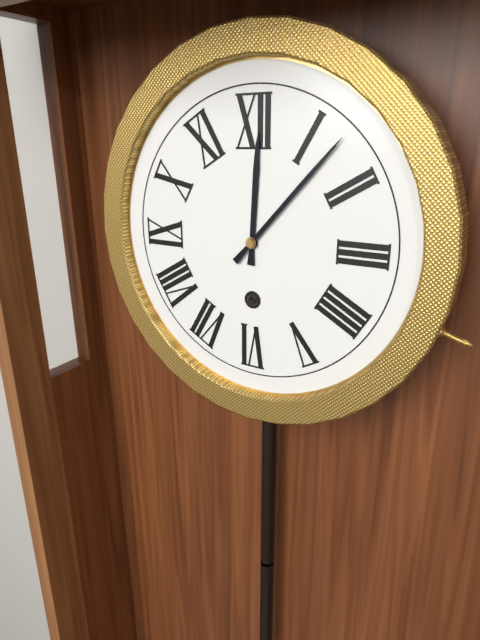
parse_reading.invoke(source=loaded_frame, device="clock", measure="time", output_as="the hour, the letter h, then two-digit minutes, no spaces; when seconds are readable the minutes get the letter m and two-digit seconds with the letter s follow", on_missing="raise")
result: 12h07
